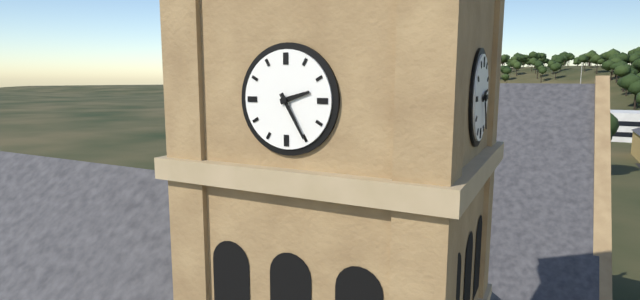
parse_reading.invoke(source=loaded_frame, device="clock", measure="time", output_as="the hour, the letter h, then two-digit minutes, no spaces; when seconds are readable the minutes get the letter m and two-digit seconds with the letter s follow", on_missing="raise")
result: 2h25
